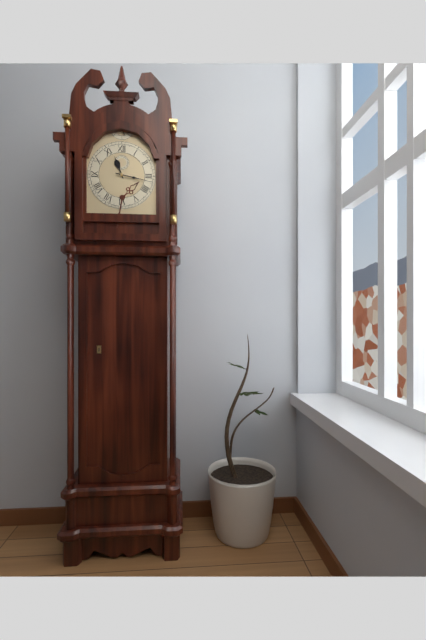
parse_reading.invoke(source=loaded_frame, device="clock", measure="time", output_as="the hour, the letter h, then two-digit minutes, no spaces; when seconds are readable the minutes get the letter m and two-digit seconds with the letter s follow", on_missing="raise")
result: 11h17
